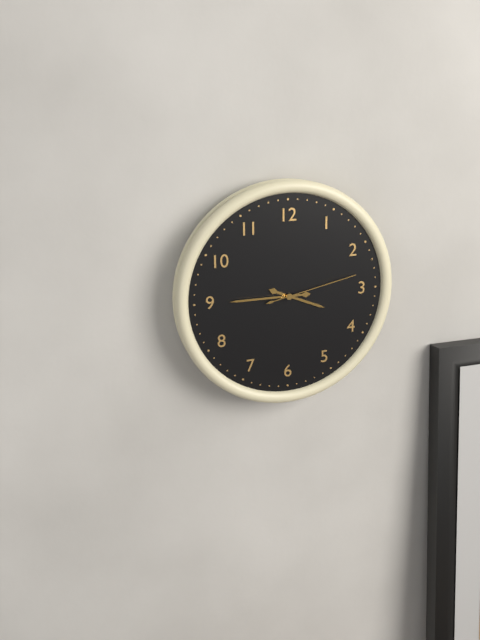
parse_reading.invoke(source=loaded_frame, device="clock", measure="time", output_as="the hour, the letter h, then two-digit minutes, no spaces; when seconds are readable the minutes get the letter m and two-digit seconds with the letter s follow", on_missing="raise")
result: 3h45m13s
